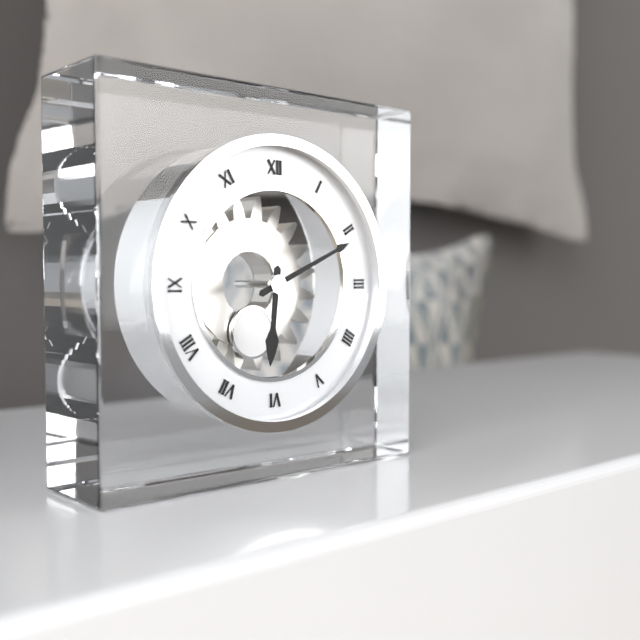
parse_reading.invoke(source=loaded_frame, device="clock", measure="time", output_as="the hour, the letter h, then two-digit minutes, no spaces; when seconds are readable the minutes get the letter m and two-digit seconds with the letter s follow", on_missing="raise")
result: 6h11
